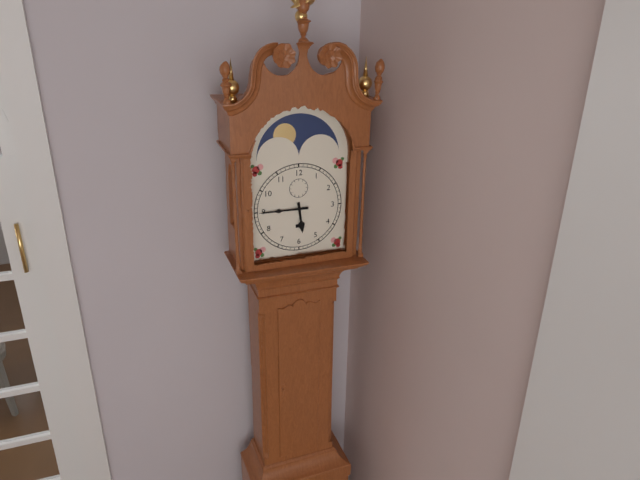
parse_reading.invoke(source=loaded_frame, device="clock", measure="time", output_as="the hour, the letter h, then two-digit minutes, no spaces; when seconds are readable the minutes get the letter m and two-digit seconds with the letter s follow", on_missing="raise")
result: 5h45
